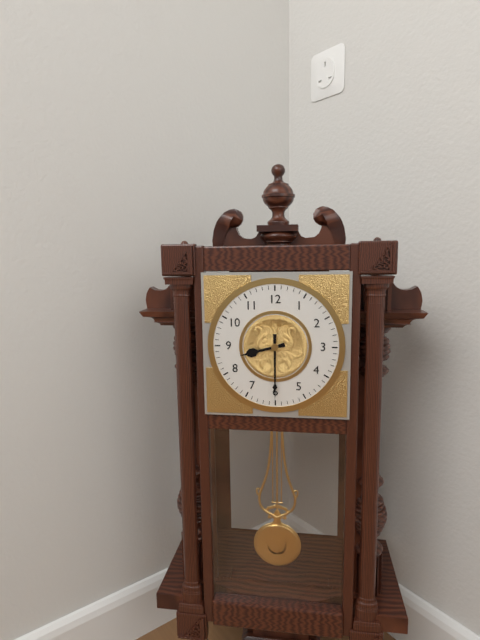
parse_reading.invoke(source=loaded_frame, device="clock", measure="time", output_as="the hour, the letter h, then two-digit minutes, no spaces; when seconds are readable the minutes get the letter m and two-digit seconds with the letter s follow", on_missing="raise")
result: 8h30
